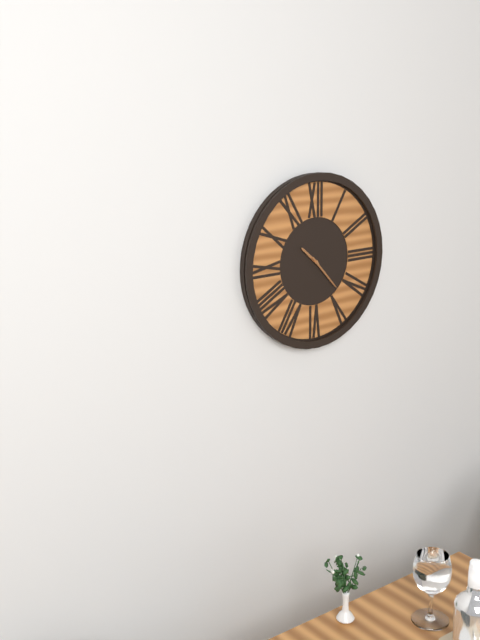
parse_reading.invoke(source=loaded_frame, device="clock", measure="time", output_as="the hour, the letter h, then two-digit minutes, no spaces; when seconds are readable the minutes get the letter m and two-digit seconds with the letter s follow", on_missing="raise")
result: 10h23
